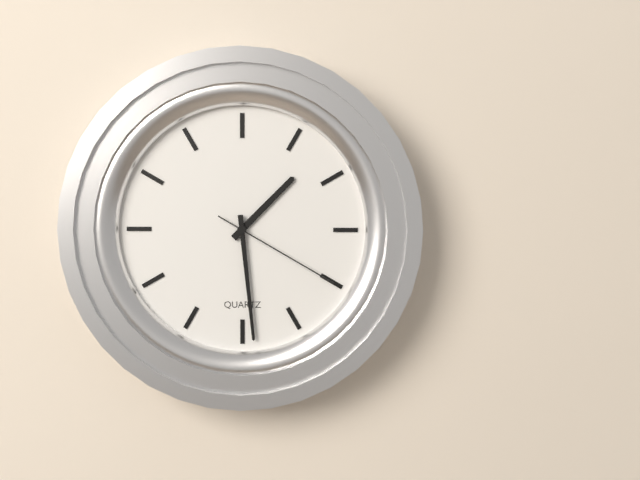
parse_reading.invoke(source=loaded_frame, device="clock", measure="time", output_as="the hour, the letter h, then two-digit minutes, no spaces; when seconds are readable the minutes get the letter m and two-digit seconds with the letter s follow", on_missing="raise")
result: 1h29m20s
